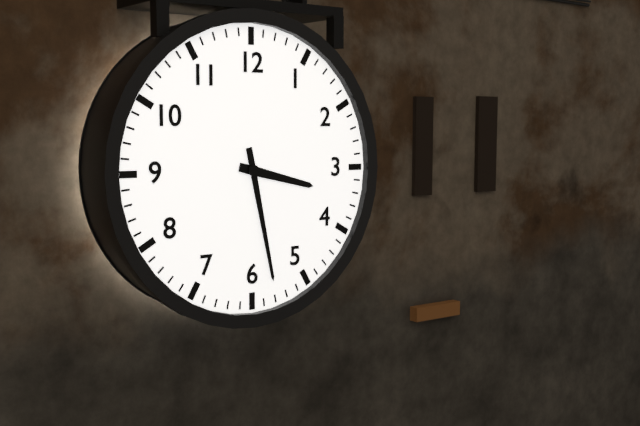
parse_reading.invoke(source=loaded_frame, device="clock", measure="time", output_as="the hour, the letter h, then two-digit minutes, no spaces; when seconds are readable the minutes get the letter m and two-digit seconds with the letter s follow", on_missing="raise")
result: 3h28
